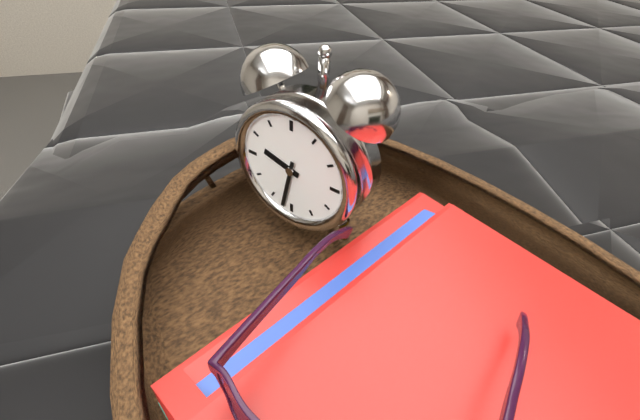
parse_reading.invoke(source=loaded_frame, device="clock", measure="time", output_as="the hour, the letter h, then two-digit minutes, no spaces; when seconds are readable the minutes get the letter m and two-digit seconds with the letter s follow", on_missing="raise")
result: 9h32
